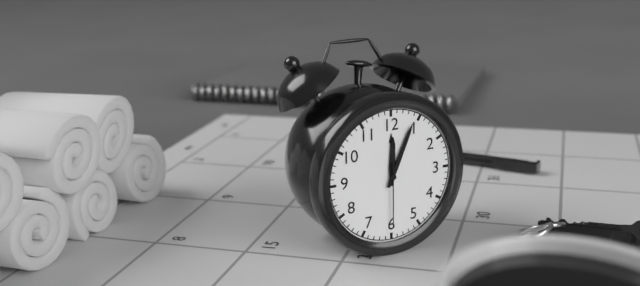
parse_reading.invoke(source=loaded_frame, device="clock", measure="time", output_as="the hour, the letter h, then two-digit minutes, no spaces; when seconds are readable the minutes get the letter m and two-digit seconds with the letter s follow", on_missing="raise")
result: 12h04m30s
